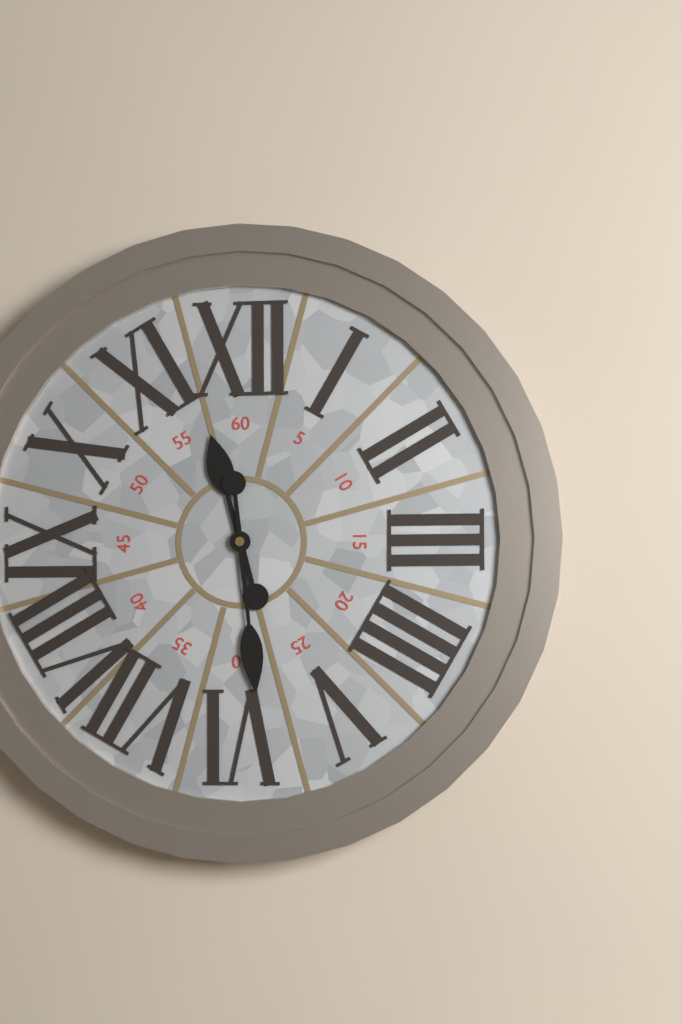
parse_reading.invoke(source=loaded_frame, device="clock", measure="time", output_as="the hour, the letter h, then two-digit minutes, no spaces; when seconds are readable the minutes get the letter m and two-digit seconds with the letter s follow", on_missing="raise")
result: 11h29
